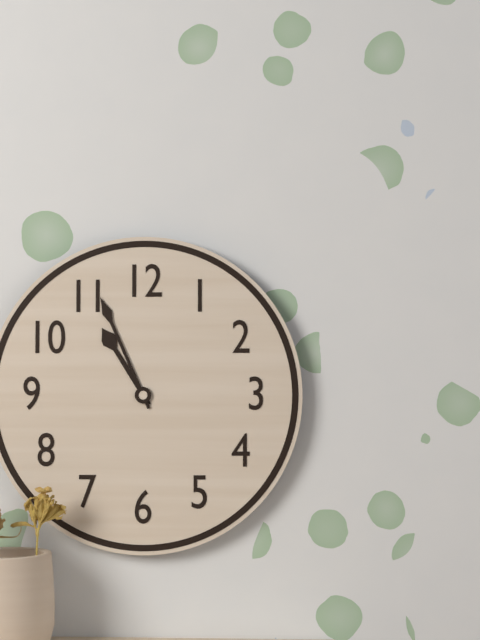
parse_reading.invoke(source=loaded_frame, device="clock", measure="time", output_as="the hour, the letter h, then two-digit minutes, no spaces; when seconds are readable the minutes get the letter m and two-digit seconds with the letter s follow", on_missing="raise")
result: 10h56
